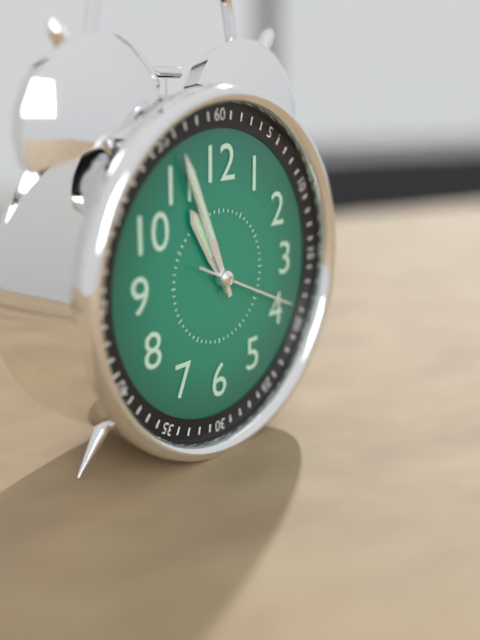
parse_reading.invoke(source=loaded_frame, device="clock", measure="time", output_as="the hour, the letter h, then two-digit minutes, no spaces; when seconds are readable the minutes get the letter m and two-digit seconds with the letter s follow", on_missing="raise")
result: 10h56m19s
